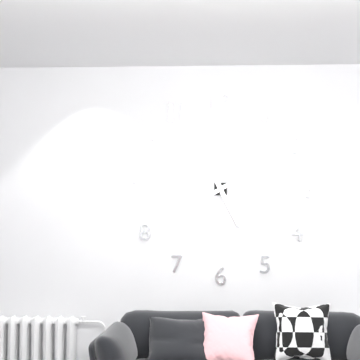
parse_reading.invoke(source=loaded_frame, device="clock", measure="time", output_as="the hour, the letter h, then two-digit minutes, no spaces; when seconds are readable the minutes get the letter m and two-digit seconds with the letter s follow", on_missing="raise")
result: 5h10
